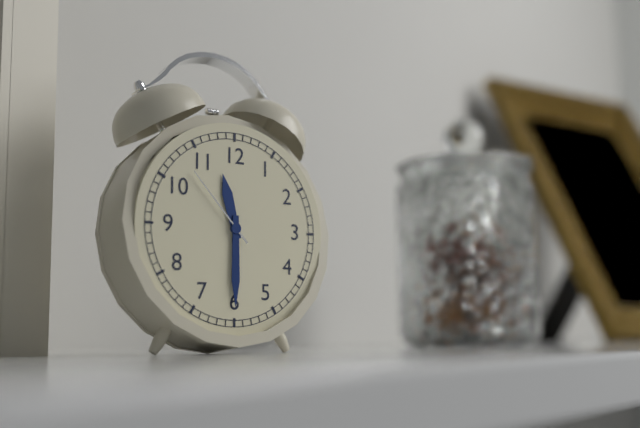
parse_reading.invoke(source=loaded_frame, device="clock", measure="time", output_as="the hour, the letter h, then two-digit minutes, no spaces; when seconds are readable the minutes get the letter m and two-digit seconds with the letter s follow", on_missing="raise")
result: 11h30m53s
